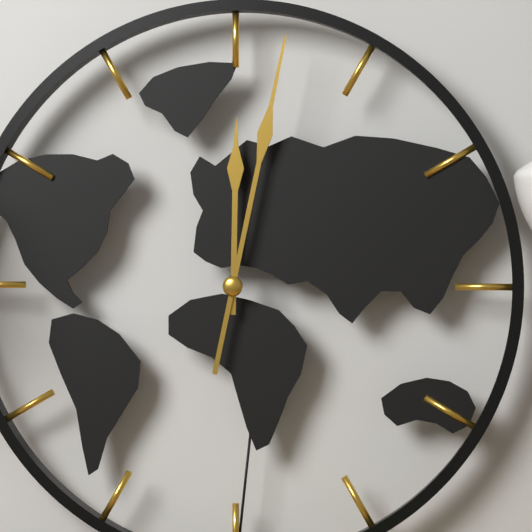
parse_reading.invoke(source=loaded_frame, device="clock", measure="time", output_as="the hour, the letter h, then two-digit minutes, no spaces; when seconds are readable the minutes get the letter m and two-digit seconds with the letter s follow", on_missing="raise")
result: 12h02
